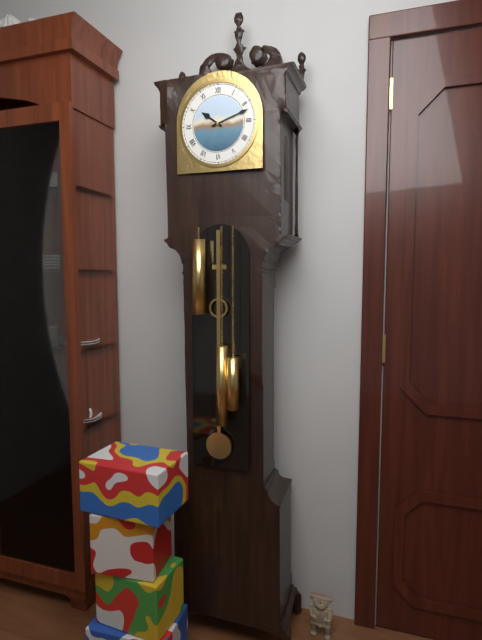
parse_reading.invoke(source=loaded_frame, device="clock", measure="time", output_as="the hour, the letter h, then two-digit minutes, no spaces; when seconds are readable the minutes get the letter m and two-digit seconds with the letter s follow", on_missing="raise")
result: 10h12
